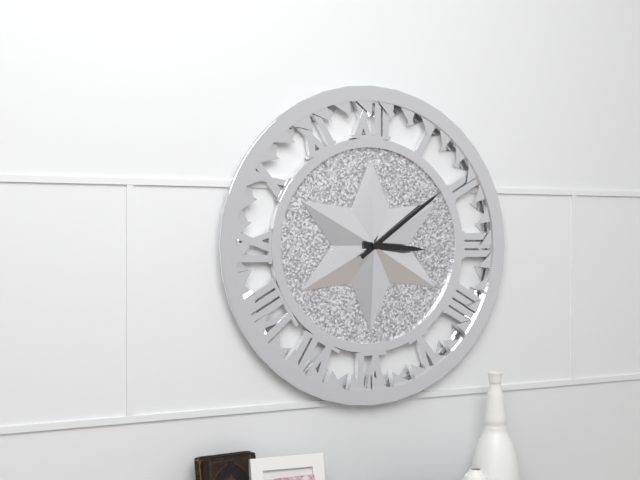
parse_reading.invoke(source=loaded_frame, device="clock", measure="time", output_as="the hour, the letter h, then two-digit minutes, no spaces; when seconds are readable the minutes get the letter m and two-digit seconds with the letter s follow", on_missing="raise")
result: 3h09
